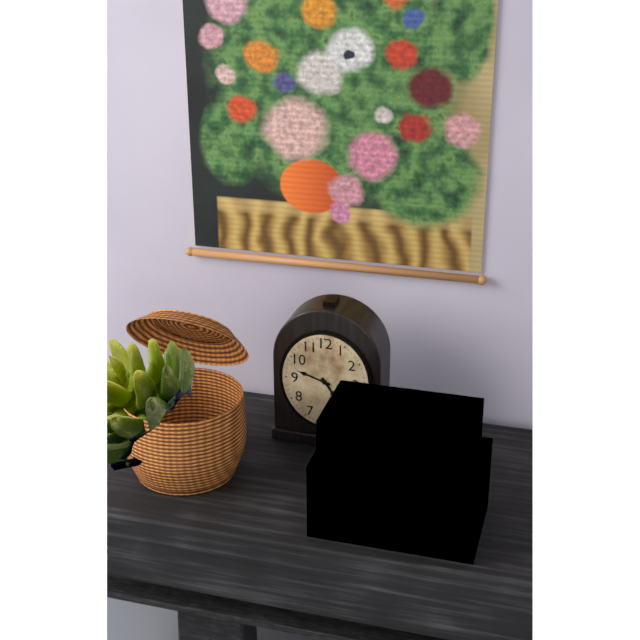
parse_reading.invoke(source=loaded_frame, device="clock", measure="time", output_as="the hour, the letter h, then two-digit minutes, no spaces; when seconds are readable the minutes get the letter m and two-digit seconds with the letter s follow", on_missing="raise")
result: 4h48
